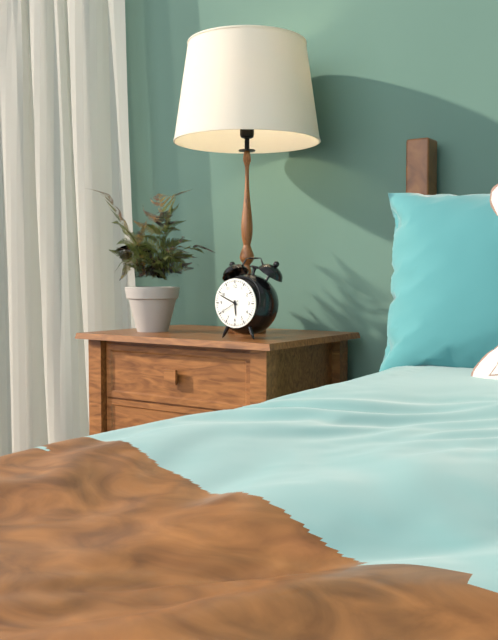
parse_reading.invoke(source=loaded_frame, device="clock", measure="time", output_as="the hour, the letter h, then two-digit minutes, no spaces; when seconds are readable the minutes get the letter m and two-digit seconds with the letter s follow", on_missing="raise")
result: 5h49
